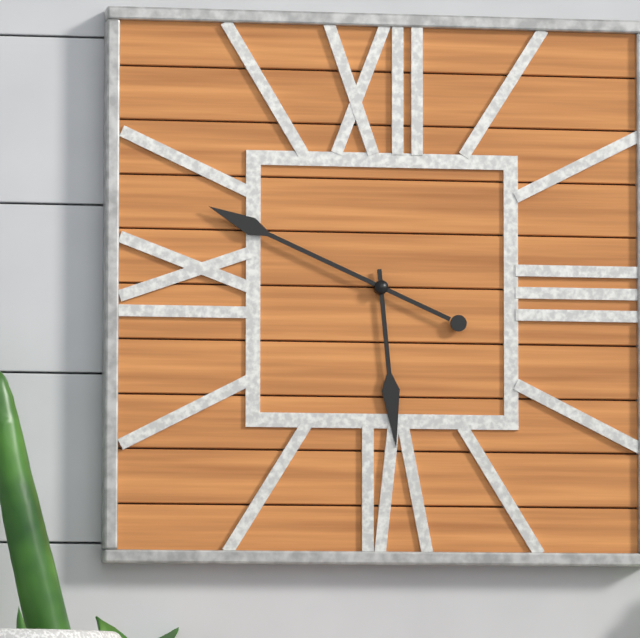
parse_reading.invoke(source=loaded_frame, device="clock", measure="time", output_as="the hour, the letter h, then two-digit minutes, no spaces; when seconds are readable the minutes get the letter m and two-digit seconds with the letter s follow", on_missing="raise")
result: 5h49
